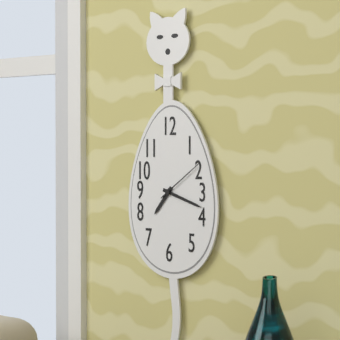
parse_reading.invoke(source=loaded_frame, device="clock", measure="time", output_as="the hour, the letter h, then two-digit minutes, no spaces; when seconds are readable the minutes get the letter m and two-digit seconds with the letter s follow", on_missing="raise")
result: 7h18m09s
